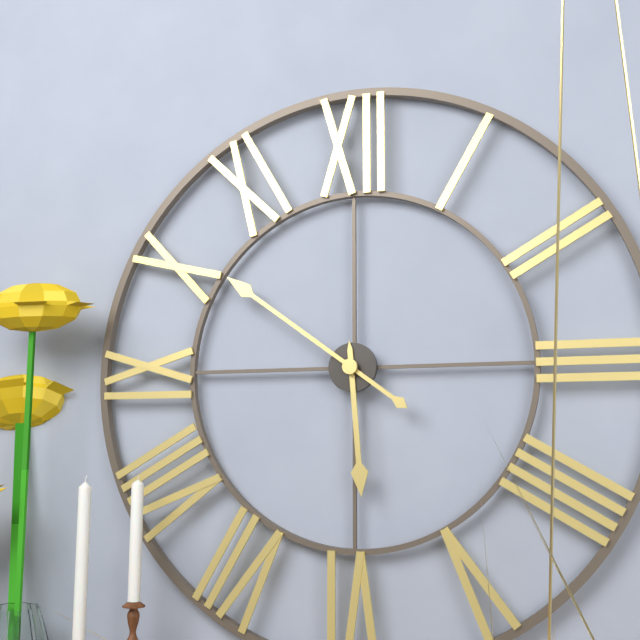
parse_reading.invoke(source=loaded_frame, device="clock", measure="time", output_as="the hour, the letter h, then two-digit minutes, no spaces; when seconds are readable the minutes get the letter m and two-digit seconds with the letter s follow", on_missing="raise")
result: 5h51
